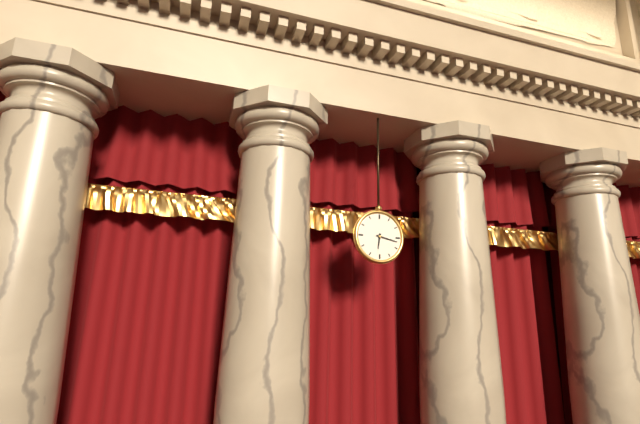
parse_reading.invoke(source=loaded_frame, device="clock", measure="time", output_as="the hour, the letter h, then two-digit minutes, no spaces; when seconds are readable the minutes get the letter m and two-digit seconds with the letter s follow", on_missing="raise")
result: 6h17
